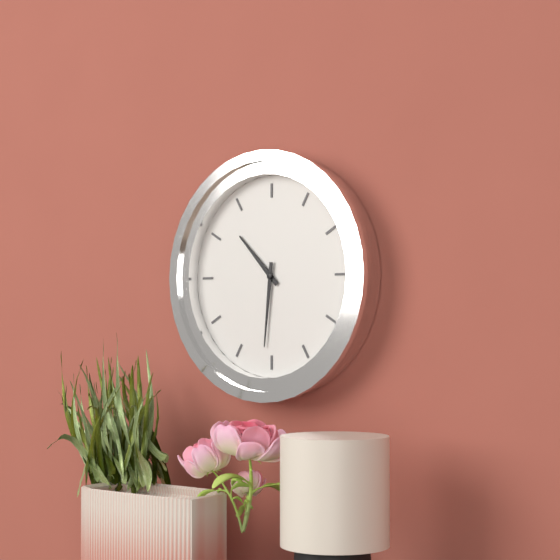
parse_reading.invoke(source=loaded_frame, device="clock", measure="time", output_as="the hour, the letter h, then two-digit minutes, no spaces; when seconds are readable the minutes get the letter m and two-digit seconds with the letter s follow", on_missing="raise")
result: 10h31
